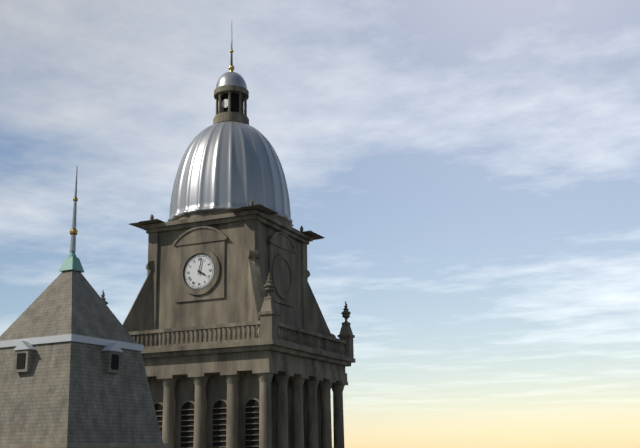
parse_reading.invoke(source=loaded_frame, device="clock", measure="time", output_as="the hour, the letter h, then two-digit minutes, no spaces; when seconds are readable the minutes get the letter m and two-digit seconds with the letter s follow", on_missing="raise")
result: 4h02
